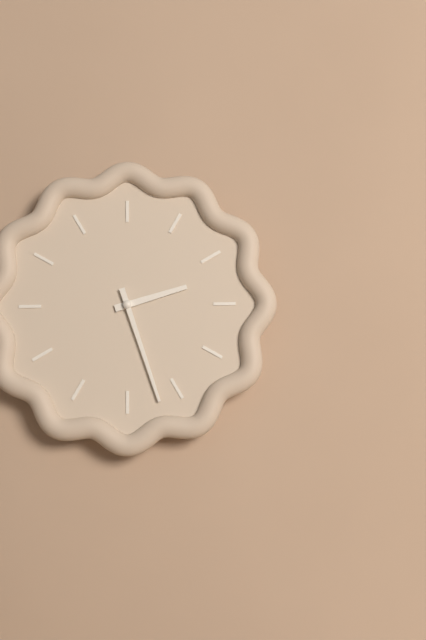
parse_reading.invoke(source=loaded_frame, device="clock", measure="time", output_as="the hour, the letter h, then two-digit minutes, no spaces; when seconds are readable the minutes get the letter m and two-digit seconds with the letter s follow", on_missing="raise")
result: 2h27
